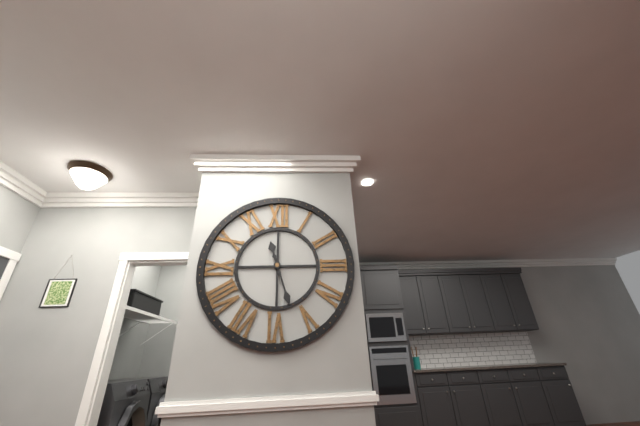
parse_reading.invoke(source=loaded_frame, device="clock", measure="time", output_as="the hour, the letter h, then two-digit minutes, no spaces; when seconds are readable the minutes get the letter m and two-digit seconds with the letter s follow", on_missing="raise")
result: 11h27
